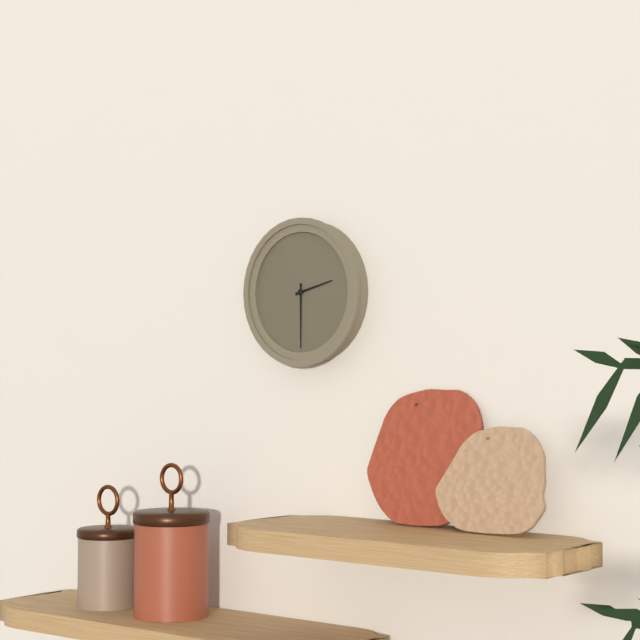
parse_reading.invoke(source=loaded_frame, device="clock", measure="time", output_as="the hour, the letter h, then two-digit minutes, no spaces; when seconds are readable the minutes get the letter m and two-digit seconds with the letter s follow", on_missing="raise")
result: 2h30
